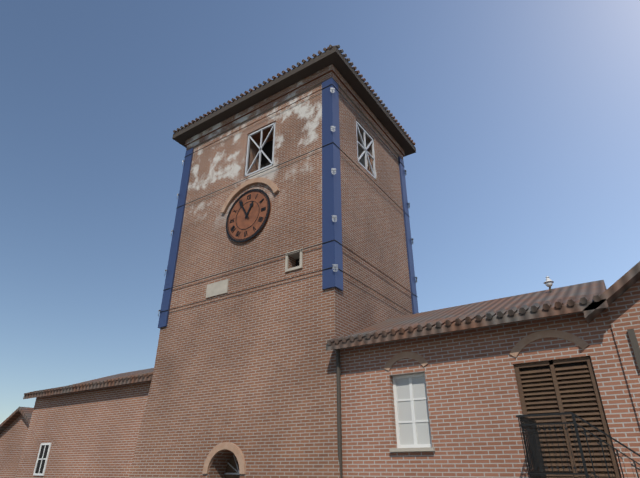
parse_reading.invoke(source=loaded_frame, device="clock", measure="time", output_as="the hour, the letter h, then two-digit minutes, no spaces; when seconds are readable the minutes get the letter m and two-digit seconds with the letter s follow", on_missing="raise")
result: 12h55
